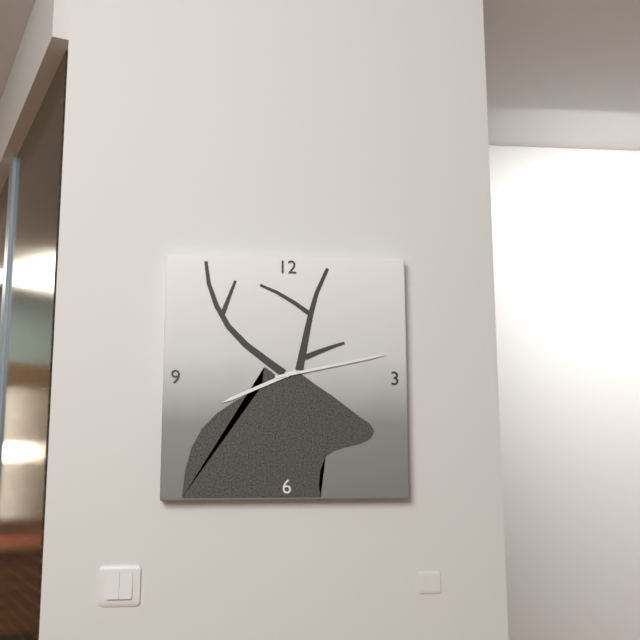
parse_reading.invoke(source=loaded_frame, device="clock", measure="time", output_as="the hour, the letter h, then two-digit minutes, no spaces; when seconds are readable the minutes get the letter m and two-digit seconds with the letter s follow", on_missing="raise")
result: 8h13
